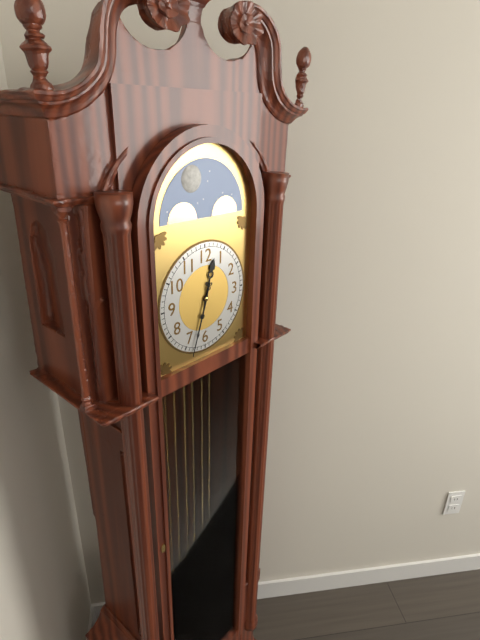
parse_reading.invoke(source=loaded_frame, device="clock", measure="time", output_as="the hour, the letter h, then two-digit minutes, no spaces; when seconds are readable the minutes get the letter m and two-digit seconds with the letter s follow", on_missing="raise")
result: 12h33
